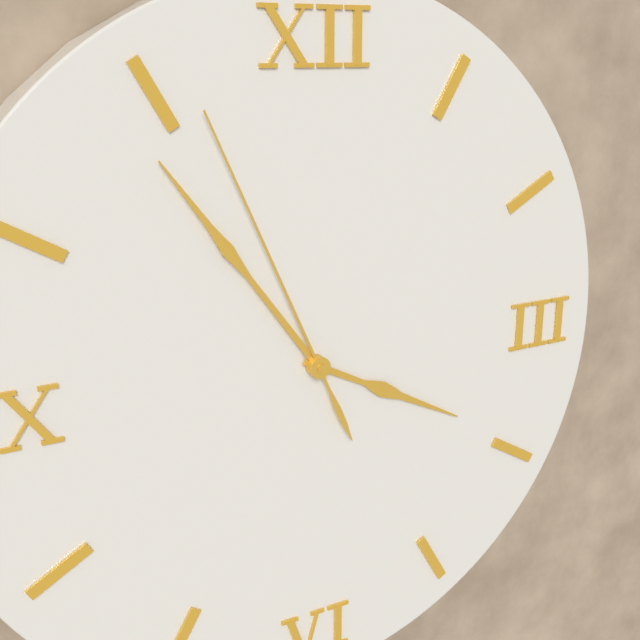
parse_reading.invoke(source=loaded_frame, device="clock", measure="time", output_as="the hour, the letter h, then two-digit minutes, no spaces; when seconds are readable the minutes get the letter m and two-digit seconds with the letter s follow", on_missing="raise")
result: 3h54m56s
